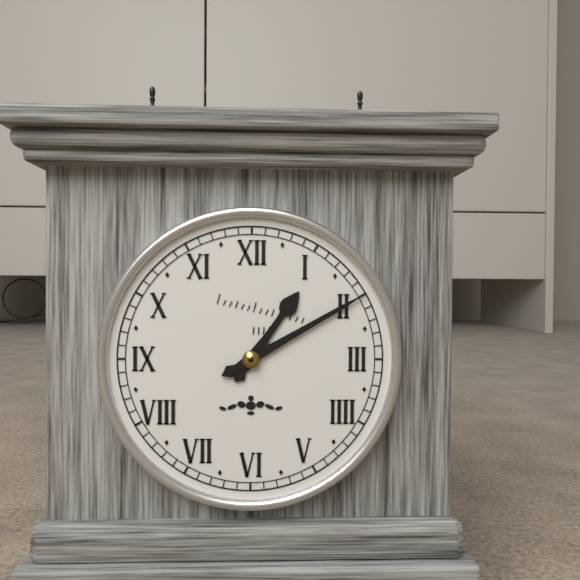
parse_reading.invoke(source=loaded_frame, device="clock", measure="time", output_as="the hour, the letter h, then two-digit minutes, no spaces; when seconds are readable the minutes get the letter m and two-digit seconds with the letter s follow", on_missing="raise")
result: 1h10
